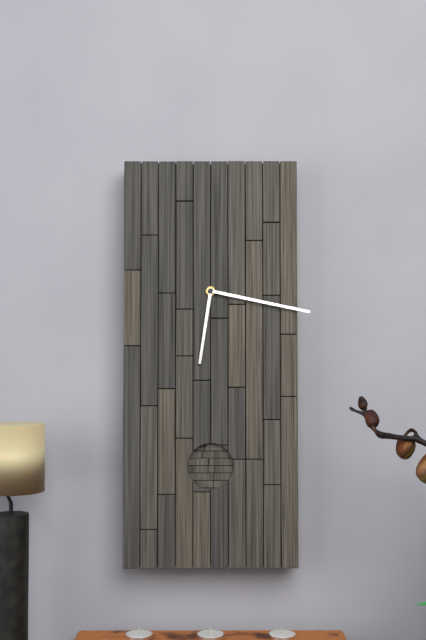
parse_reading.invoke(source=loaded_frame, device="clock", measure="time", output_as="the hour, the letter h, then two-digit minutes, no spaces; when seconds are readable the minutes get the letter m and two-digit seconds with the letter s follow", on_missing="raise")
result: 6h17
